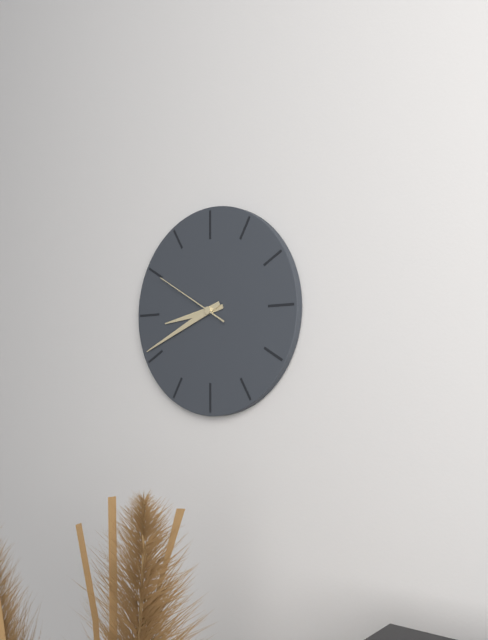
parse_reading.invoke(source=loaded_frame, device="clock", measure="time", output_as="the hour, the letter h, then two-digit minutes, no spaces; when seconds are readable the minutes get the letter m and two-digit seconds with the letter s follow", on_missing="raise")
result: 8h41m50s
